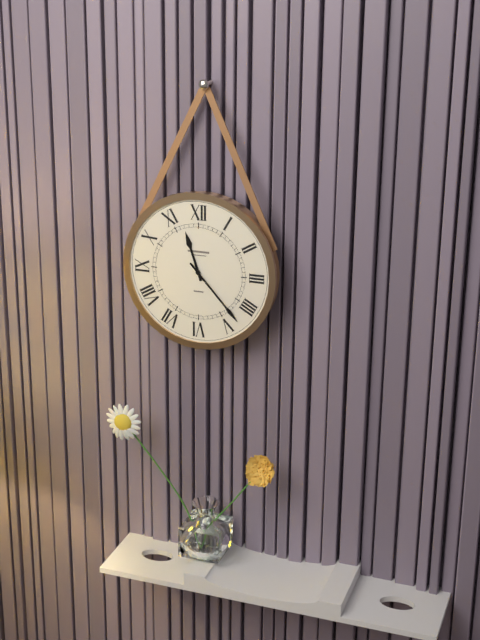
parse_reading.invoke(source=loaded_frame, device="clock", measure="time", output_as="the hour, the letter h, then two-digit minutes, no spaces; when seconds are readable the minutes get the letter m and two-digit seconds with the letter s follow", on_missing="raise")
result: 11h23
